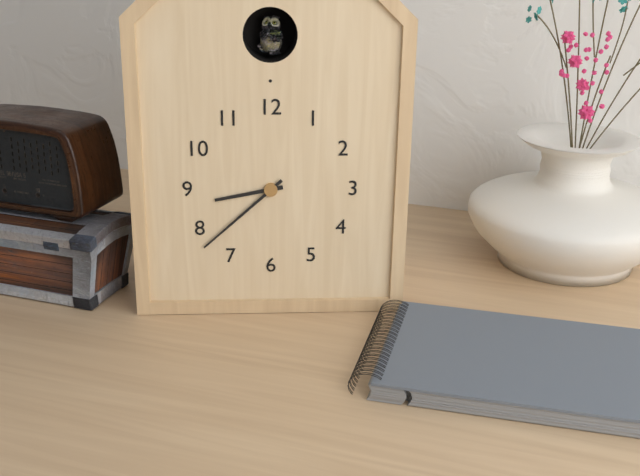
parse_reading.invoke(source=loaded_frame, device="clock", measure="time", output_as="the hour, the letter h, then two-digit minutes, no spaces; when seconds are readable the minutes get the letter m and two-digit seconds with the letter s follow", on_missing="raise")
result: 8h38
